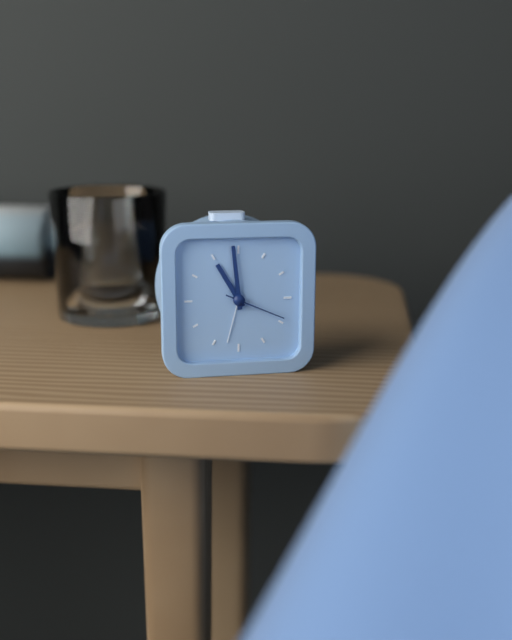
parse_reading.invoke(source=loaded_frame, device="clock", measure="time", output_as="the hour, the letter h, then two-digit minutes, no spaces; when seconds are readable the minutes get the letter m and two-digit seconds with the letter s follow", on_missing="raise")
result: 10h59m19s
